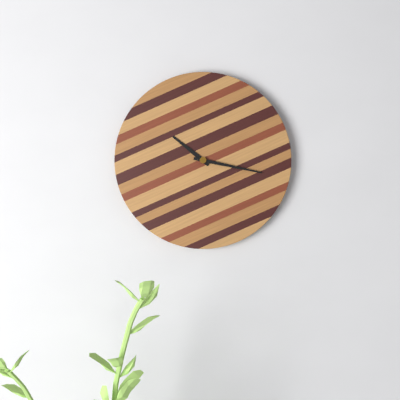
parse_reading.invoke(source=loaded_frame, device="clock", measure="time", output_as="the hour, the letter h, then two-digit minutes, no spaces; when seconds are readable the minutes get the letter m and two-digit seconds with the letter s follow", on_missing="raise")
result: 10h17
